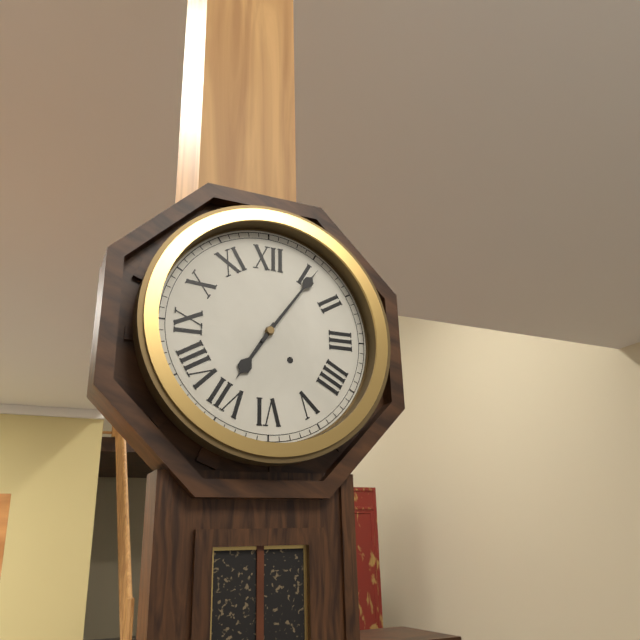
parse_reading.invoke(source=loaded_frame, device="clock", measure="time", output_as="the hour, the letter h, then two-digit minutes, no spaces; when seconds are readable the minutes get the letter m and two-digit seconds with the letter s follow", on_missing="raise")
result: 7h06
